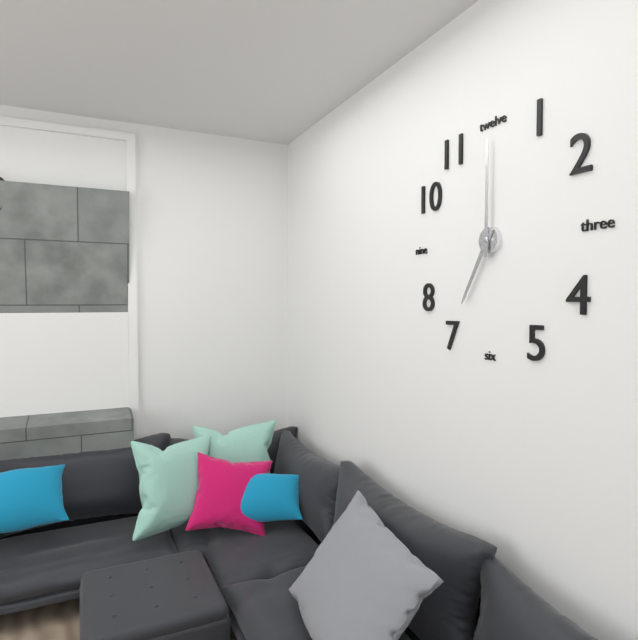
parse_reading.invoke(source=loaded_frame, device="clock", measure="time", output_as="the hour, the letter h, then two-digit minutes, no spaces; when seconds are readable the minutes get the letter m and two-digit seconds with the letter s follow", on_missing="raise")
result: 7h00
